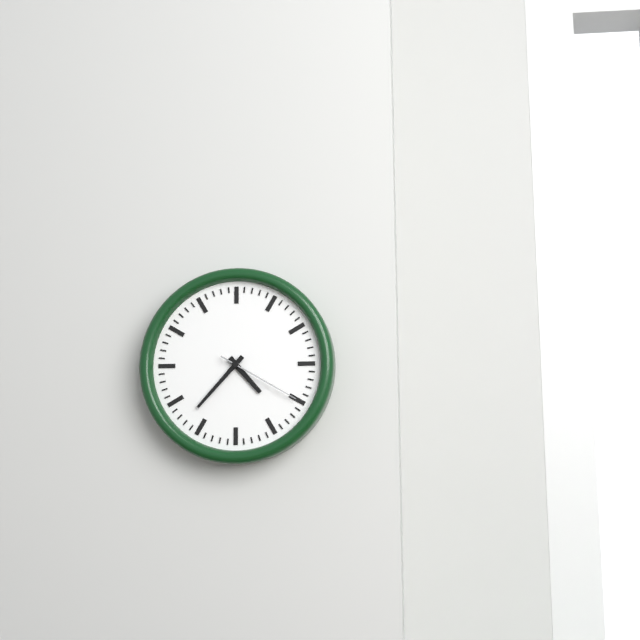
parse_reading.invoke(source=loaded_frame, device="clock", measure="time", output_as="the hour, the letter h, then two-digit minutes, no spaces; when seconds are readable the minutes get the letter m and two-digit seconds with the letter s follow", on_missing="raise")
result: 4h37m20s
